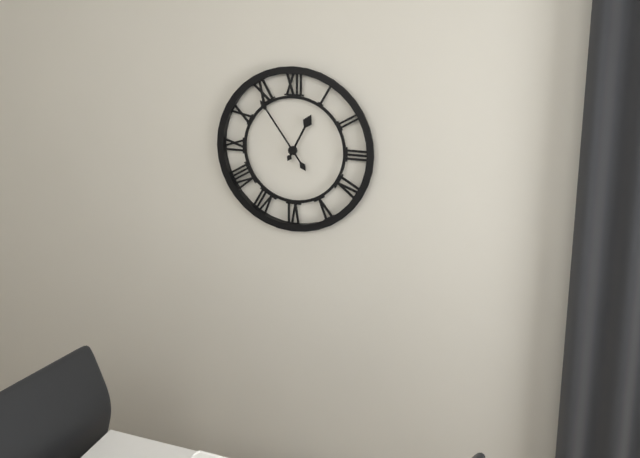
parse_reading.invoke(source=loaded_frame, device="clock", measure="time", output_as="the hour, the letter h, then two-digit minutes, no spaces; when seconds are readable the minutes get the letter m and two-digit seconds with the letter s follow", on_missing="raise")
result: 12h54
